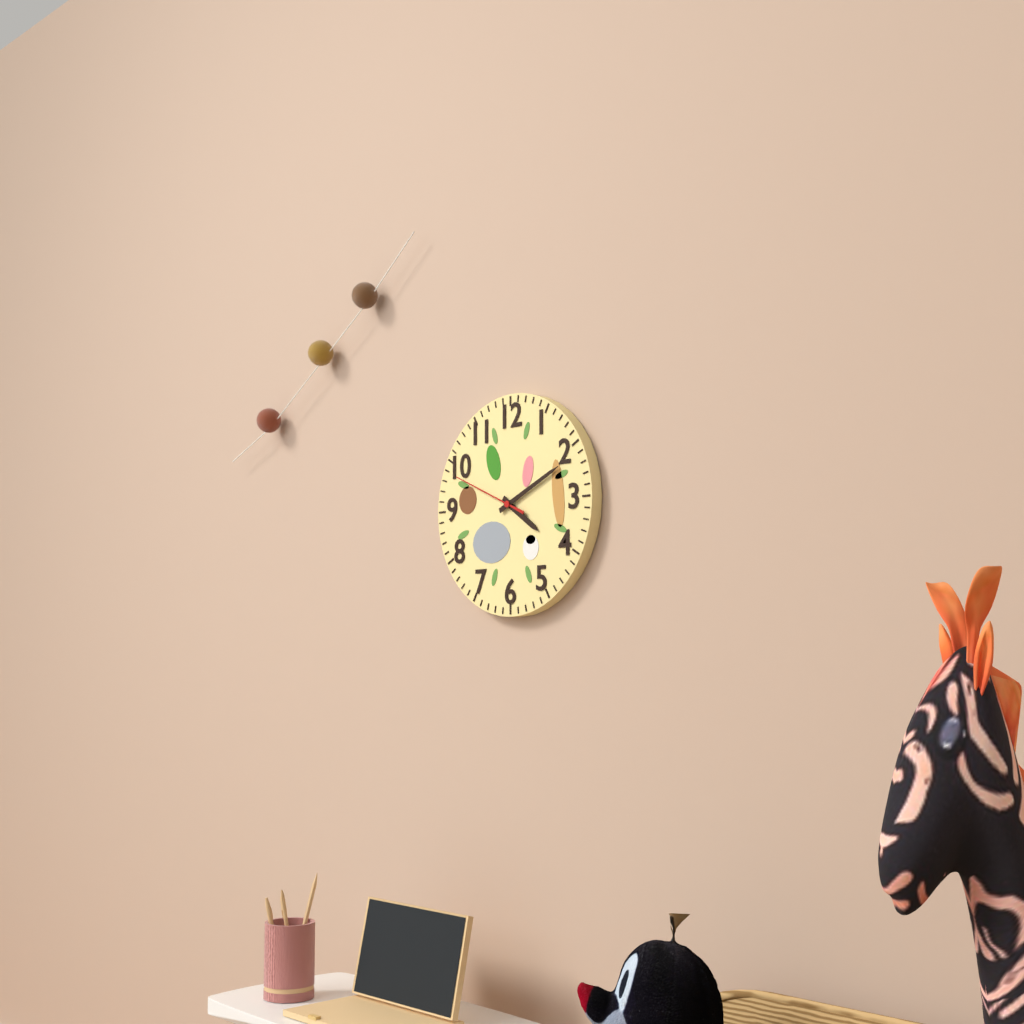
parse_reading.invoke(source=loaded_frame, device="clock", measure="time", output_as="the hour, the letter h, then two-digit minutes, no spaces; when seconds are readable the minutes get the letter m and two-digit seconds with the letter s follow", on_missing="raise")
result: 4h11m49s
